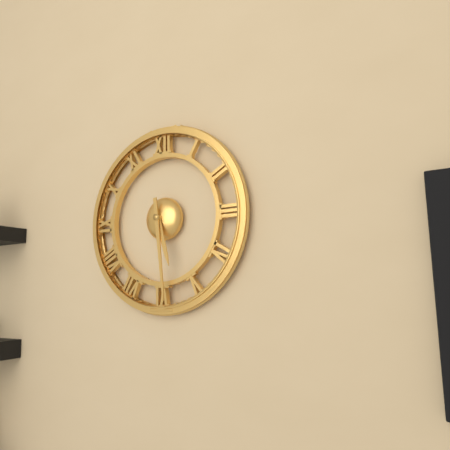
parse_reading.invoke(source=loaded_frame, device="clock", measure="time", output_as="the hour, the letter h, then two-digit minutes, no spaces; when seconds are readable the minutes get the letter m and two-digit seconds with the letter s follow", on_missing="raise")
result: 5h29
